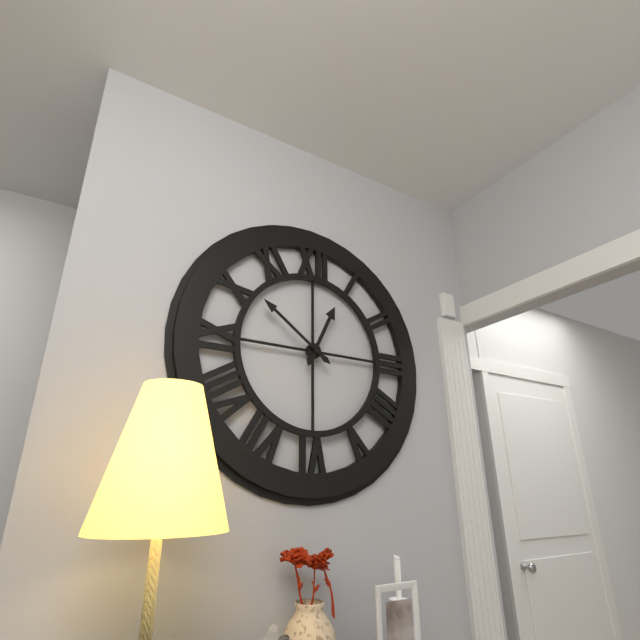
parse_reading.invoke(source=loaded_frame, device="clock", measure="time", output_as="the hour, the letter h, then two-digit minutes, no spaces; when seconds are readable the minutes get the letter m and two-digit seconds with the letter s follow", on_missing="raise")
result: 12h51
